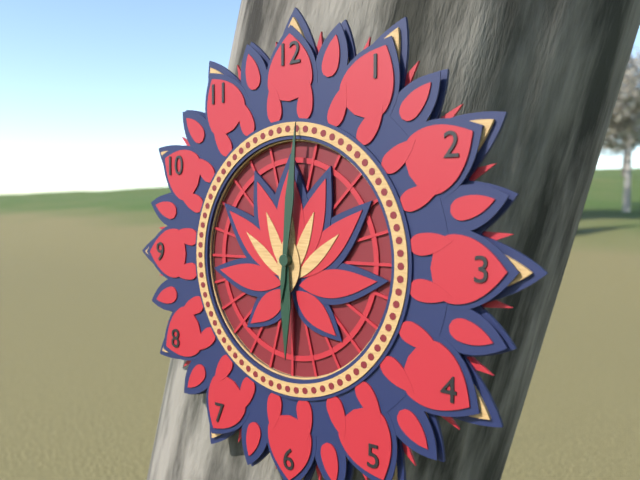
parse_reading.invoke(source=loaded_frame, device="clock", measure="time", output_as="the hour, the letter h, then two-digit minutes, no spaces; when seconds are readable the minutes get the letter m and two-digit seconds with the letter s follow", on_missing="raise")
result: 6h01
